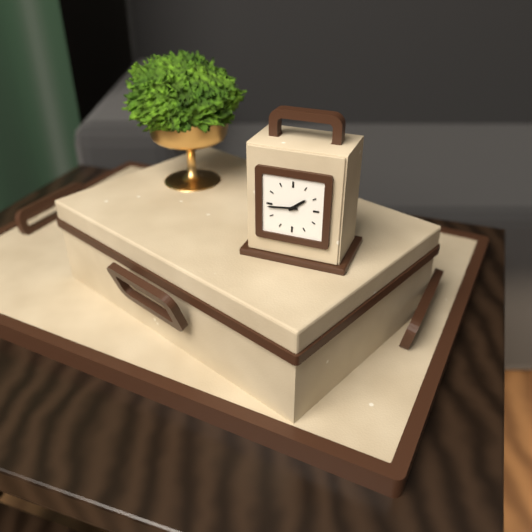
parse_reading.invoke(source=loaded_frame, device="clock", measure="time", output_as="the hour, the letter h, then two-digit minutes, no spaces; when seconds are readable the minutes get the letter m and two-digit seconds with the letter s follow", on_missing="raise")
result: 1h44
